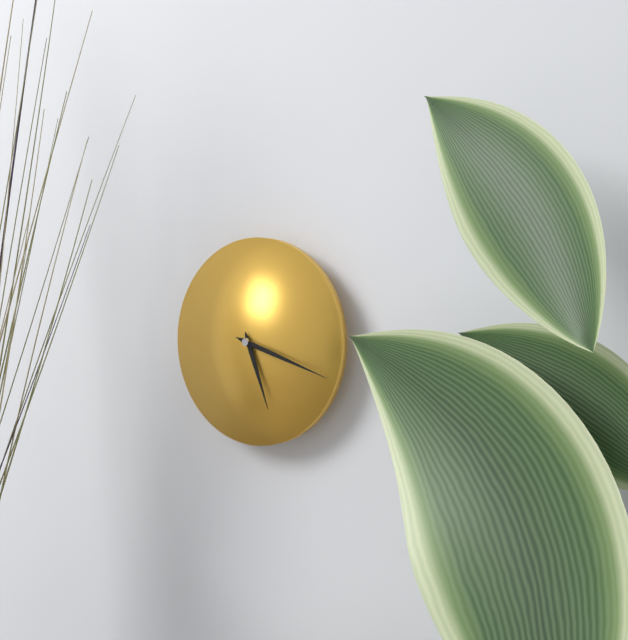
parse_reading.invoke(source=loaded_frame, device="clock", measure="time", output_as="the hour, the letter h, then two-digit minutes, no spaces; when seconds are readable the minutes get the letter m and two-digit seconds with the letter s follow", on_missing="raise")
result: 5h18
